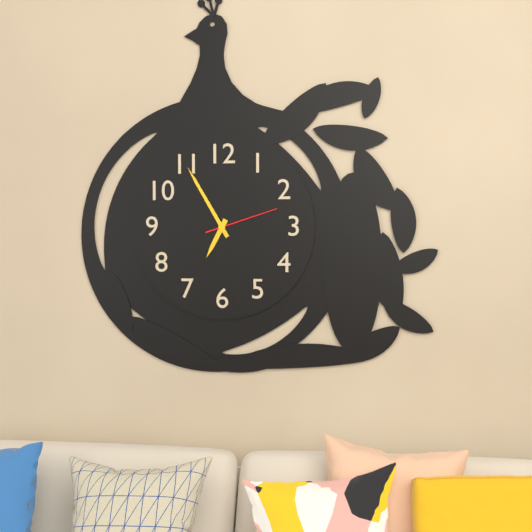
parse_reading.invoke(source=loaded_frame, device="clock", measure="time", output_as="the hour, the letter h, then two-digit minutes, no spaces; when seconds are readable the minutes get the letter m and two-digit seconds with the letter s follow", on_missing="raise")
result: 6h55m12s
